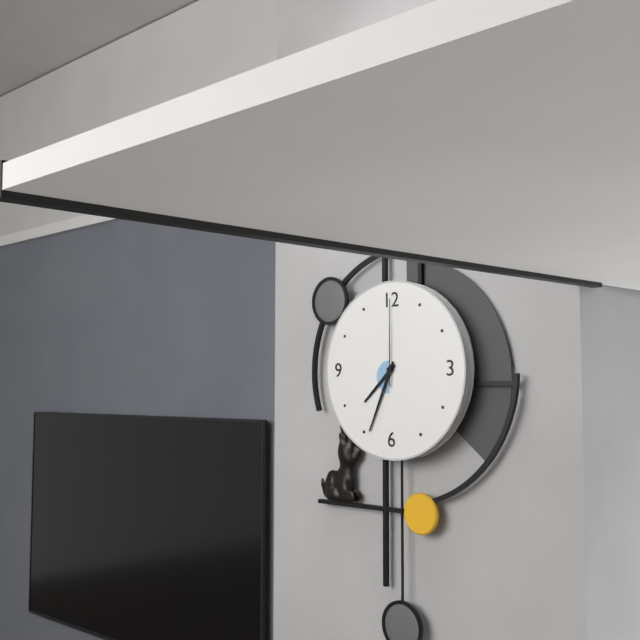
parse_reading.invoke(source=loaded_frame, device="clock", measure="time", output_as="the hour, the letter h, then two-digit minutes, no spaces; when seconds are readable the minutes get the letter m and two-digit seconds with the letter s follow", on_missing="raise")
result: 7h34m00s
